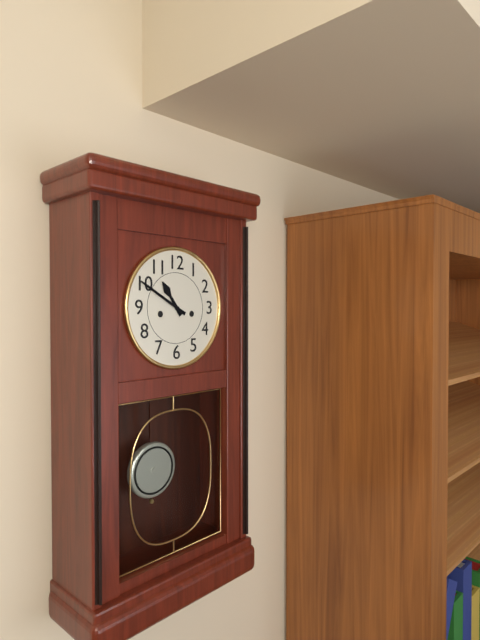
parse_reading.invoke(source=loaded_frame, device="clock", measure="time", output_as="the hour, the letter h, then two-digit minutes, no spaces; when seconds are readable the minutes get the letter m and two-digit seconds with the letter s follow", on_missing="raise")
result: 10h50
